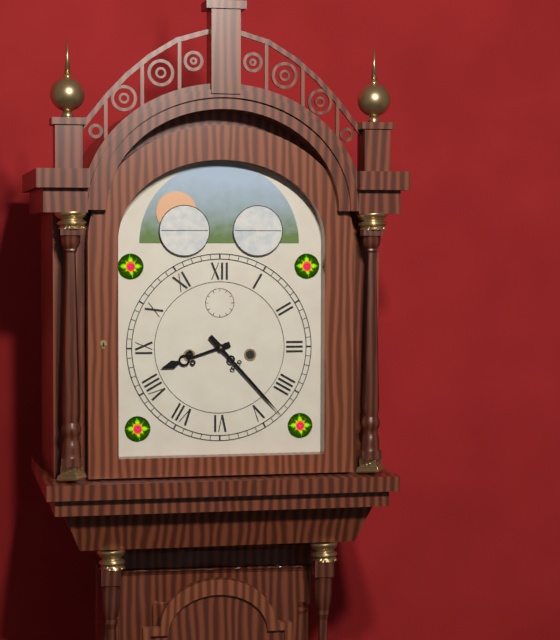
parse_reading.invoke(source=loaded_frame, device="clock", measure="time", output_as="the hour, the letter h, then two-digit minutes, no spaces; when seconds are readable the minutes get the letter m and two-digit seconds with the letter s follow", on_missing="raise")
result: 8h23
